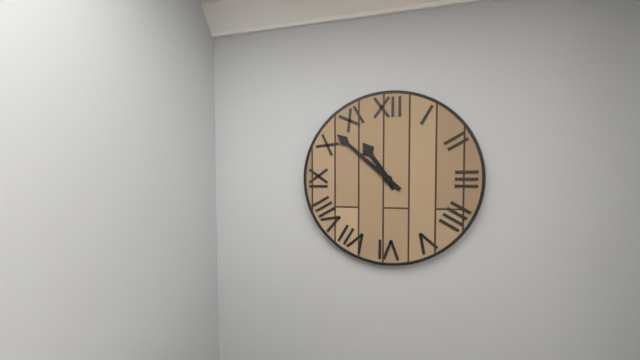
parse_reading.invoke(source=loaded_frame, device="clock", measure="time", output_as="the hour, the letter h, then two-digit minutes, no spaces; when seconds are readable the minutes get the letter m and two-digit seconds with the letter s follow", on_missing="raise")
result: 10h52
